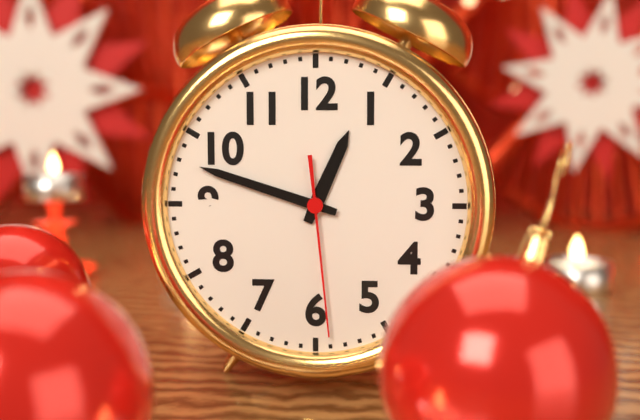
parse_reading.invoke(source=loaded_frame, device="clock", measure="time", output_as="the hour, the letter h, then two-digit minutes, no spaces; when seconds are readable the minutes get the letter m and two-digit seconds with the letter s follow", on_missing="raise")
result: 12h48m29s
